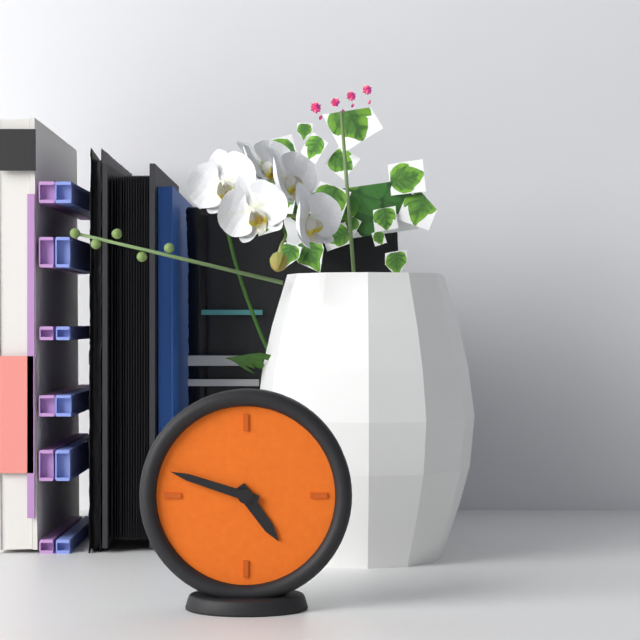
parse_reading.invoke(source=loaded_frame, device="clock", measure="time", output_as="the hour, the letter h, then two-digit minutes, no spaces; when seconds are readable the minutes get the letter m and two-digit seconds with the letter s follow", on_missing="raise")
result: 4h48
